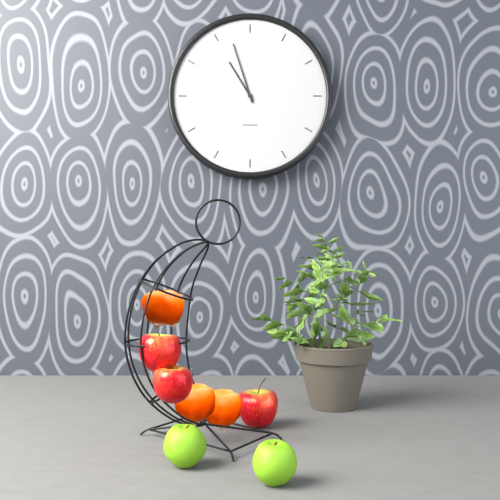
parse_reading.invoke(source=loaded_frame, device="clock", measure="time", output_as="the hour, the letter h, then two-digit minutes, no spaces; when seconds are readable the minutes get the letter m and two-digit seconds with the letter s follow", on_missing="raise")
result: 10h57
